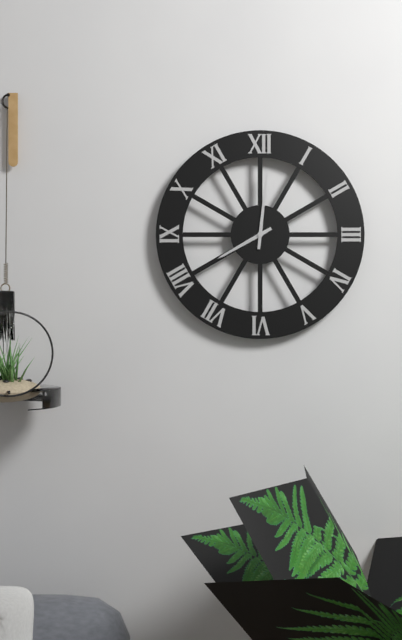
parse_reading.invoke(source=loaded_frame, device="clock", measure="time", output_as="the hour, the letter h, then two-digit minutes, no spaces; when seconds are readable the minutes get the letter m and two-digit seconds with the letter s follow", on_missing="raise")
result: 8h01
